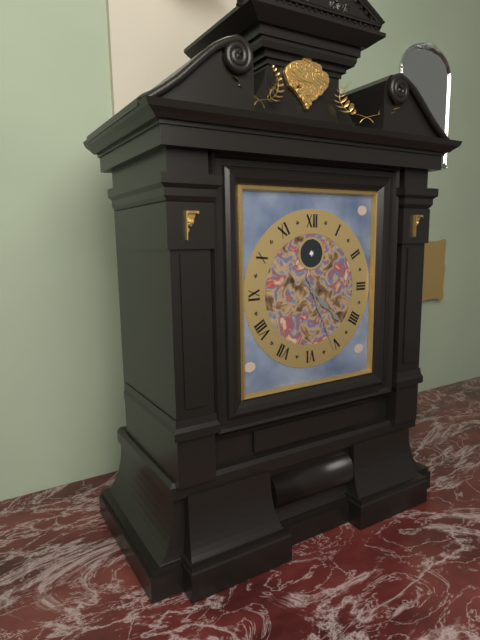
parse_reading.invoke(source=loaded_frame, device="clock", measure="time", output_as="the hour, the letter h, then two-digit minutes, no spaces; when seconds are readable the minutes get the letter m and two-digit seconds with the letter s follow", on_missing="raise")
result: 4h26
